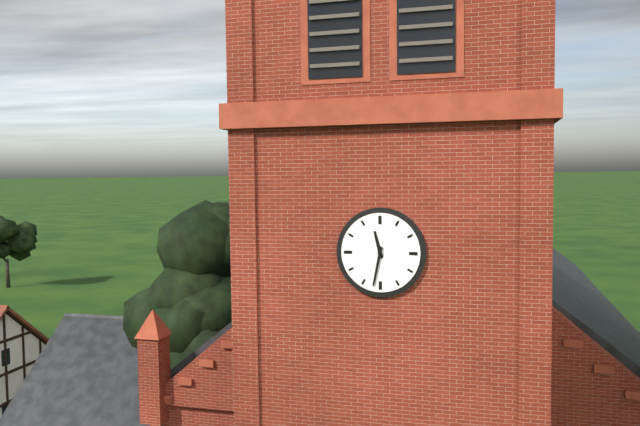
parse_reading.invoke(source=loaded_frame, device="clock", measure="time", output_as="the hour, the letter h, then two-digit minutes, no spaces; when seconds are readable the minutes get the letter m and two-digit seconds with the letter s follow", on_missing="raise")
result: 11h32
